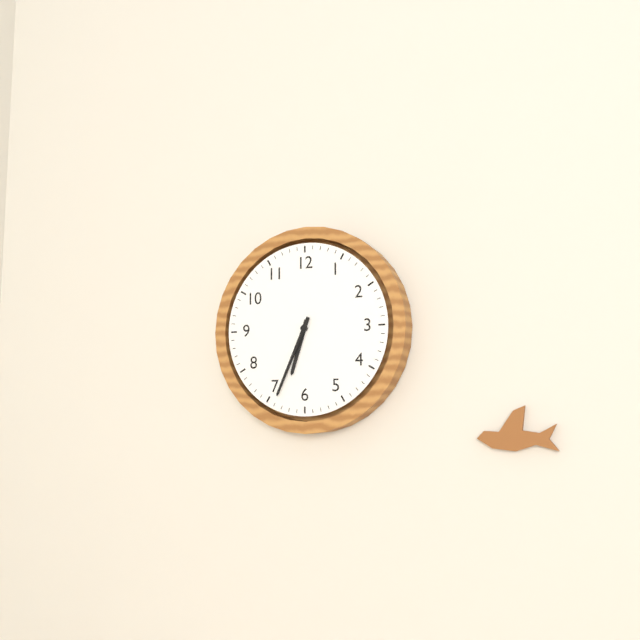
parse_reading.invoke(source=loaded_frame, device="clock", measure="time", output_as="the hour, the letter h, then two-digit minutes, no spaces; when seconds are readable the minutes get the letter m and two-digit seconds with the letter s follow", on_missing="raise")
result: 6h34
